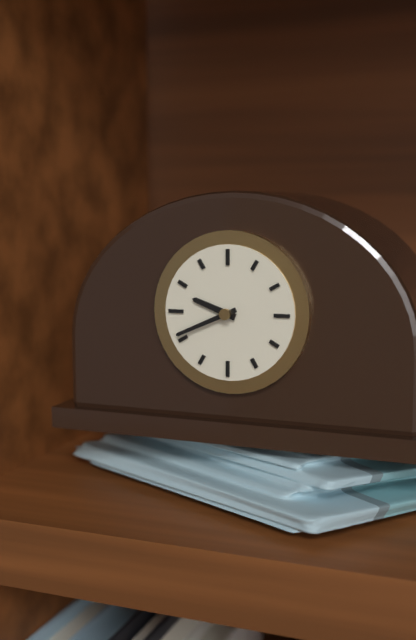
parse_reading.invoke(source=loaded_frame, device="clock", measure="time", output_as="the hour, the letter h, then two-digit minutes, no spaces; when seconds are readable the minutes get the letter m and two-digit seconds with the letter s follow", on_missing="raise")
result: 9h41
